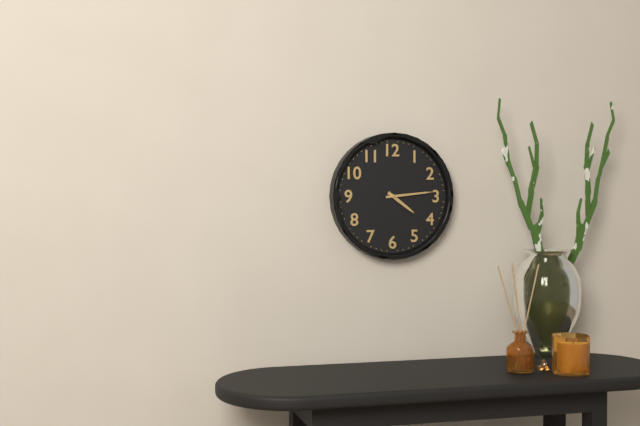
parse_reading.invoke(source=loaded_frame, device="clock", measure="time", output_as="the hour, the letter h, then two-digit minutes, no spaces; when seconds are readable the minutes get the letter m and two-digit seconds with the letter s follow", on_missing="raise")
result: 4h14
